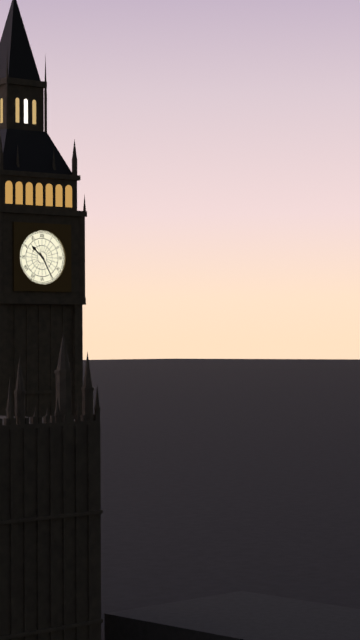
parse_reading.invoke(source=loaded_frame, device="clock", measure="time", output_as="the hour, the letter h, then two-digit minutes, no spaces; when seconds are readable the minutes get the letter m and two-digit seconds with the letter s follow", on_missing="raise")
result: 10h25
